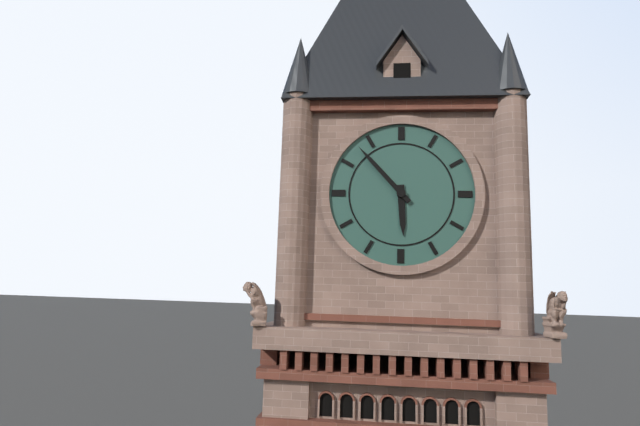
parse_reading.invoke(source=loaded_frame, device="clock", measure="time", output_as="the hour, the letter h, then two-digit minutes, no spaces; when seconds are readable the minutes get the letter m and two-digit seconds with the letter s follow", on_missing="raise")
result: 5h53
